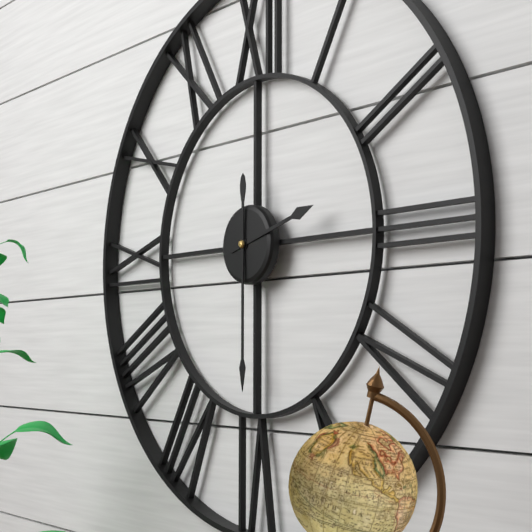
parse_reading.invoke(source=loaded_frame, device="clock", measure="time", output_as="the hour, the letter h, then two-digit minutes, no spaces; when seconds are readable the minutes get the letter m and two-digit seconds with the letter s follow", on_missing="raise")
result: 2h30
